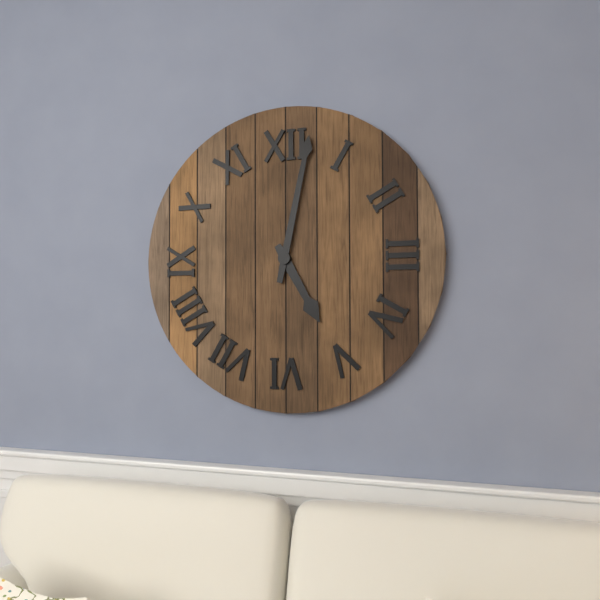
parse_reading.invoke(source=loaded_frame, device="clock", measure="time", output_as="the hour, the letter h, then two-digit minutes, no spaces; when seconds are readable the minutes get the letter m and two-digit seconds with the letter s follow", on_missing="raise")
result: 5h02
